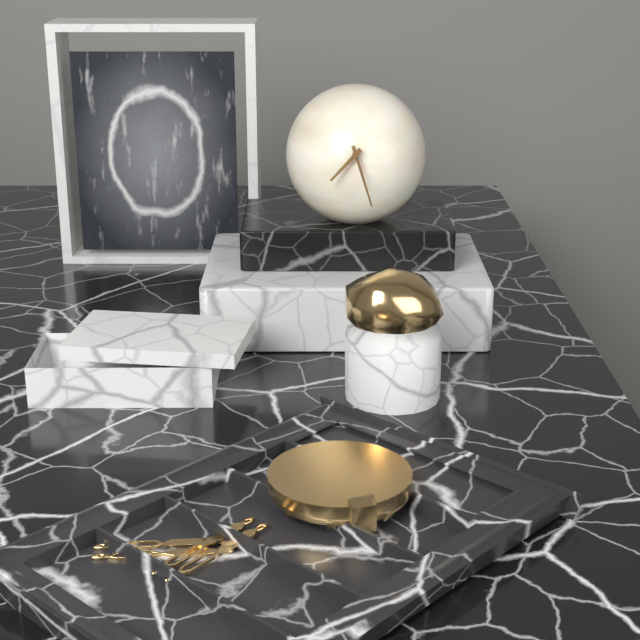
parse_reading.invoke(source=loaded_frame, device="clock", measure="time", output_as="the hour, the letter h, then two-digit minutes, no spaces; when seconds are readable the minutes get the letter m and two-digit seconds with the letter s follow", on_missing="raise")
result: 7h27
